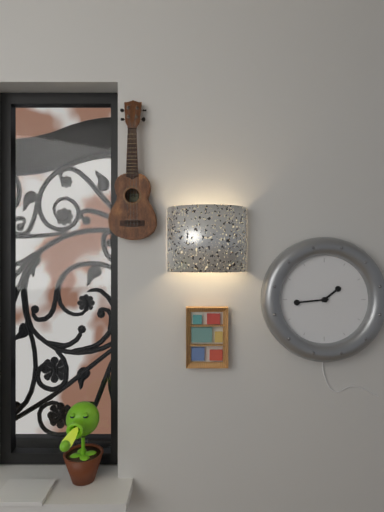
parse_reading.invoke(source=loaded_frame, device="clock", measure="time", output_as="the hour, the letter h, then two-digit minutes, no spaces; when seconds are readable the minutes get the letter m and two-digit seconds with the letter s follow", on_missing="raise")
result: 1h44
